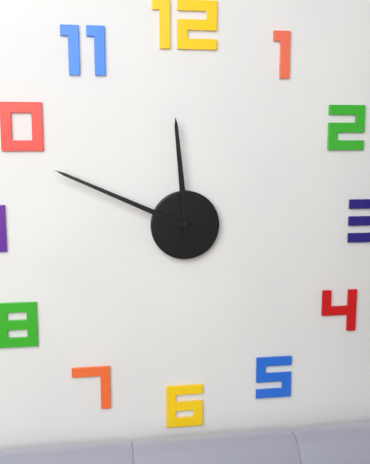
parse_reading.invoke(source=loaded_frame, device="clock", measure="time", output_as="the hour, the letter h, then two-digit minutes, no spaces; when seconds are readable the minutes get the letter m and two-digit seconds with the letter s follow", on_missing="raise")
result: 11h49
